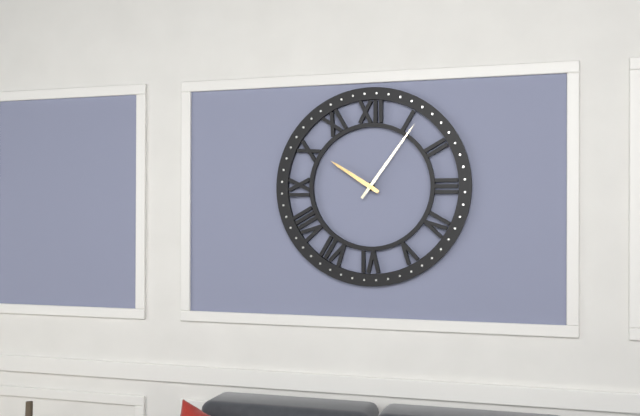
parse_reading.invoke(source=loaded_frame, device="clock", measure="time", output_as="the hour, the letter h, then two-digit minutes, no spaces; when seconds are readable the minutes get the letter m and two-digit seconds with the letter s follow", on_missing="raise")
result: 10h06
